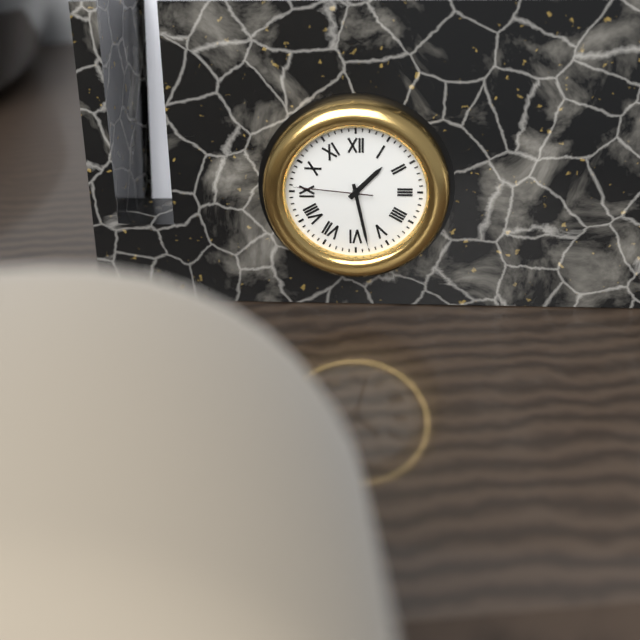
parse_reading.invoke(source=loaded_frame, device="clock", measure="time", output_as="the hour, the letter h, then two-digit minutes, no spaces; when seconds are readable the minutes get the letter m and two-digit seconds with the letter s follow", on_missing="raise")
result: 1h28m46s
